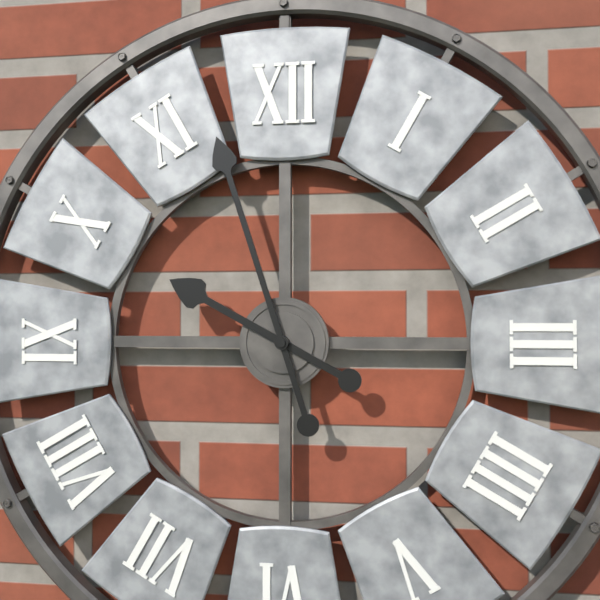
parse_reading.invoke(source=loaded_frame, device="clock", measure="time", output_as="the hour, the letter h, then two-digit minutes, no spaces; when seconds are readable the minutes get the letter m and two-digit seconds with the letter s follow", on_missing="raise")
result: 9h57
